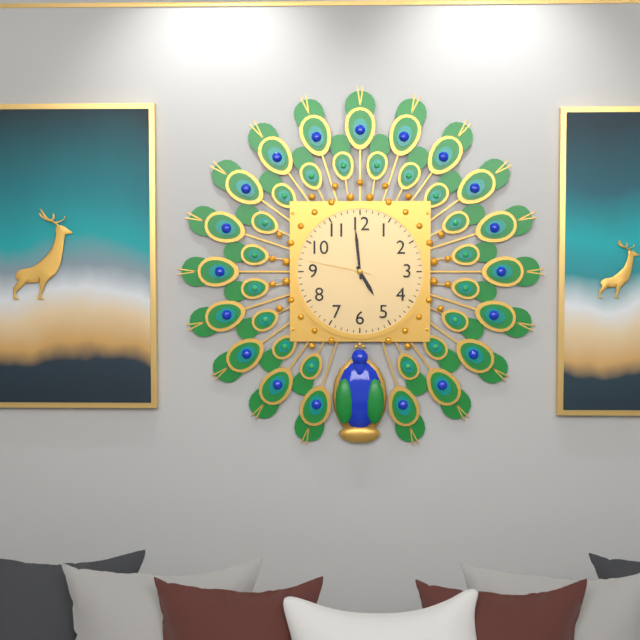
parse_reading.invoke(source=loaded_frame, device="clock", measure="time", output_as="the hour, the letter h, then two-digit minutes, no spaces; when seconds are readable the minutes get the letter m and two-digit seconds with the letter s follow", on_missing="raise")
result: 4h59m47s
